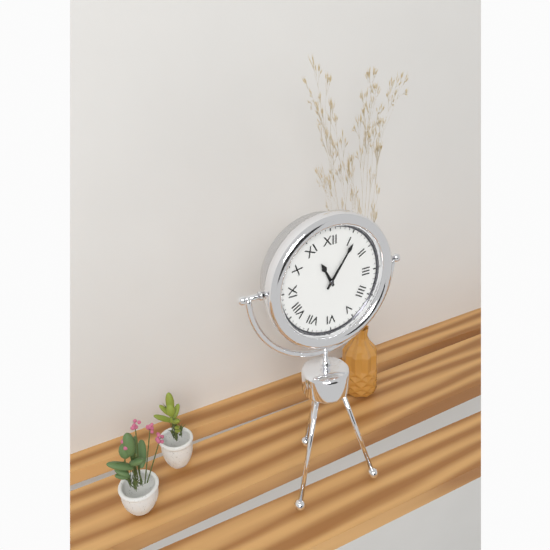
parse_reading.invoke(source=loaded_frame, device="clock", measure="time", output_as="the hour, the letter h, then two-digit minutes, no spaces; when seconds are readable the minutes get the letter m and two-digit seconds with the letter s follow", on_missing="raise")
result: 11h06
